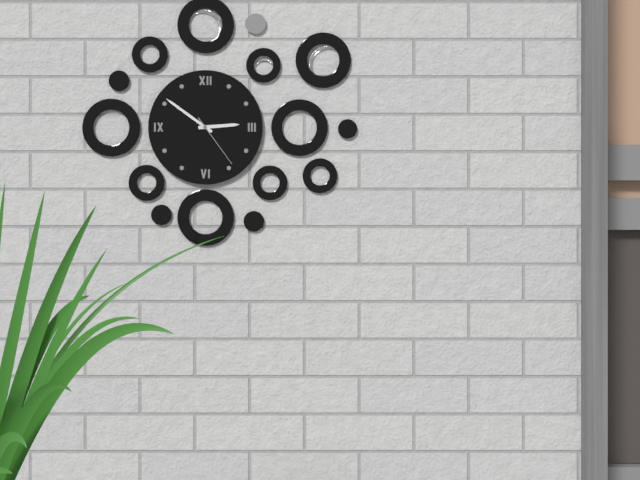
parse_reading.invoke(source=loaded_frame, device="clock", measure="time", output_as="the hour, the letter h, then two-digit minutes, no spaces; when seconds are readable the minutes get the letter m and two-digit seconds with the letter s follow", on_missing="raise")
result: 2h51m24s
